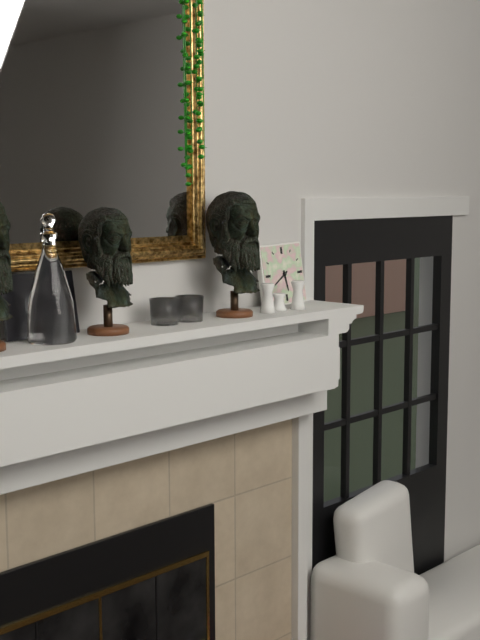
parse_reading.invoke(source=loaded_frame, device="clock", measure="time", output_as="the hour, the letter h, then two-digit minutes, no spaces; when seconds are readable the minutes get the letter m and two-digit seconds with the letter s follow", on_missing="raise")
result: 5h40
